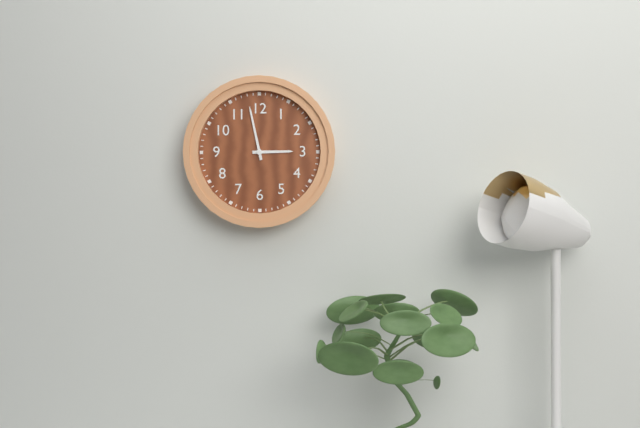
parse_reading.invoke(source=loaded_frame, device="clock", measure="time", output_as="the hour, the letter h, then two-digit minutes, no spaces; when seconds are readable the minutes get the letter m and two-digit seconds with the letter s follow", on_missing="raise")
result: 2h58
